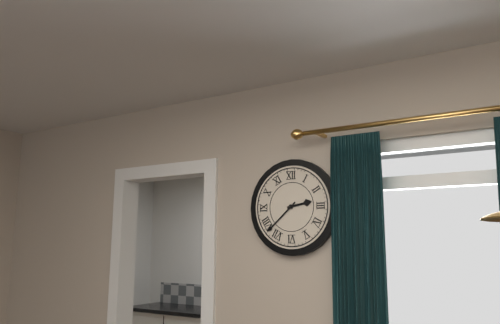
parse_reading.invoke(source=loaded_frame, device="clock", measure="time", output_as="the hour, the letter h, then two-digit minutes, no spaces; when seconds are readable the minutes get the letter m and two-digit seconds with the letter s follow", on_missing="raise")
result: 2h38
